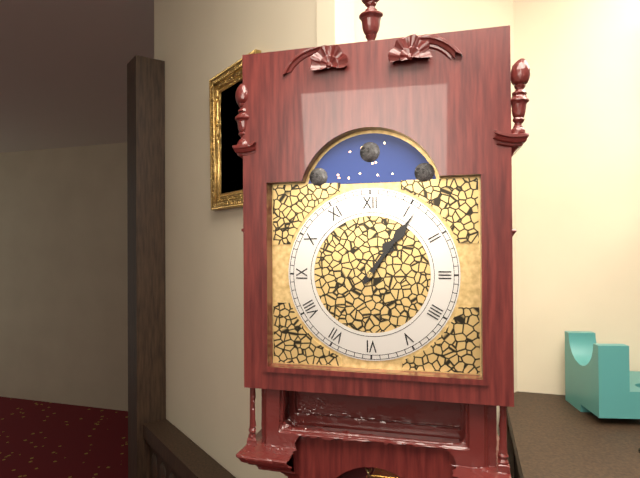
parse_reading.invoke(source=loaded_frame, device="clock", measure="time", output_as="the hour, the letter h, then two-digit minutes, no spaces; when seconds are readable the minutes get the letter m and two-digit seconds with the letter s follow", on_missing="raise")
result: 1h06
